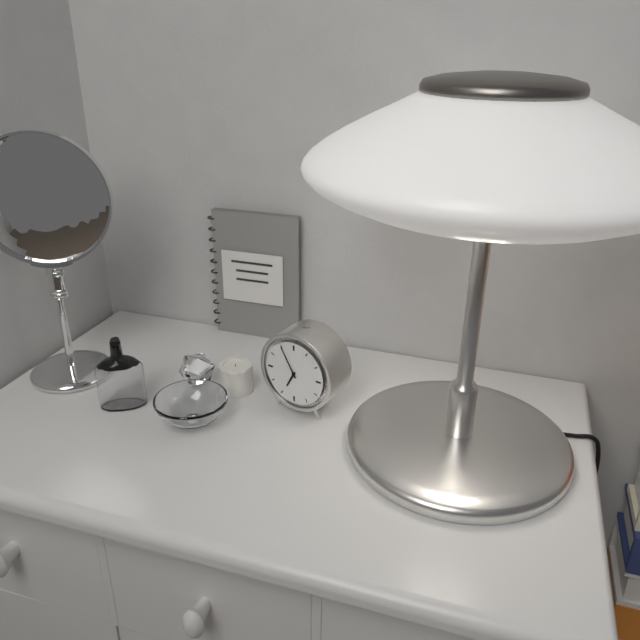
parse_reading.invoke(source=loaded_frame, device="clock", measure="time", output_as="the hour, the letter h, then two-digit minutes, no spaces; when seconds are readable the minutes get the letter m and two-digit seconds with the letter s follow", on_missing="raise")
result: 6h55
